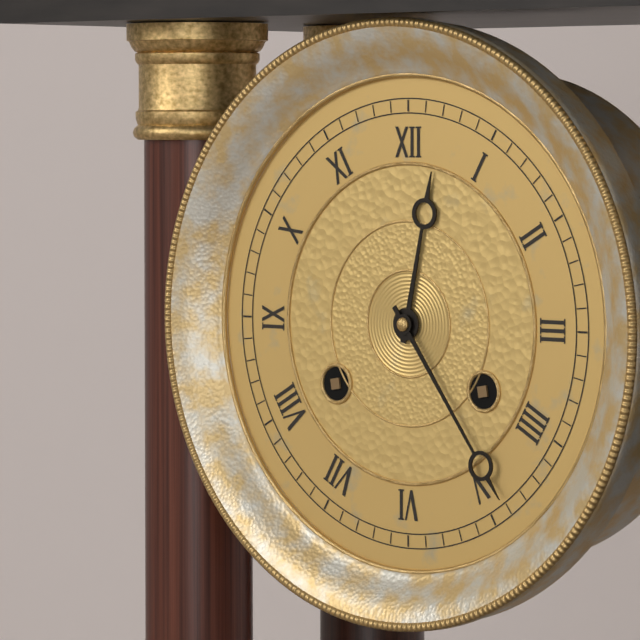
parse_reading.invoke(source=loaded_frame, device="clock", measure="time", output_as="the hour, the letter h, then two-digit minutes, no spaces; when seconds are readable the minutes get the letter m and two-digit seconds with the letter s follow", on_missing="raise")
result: 12h24
